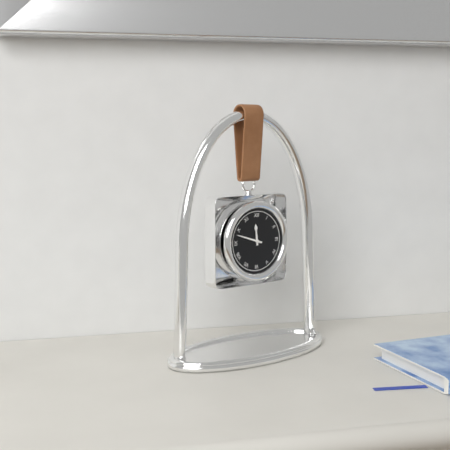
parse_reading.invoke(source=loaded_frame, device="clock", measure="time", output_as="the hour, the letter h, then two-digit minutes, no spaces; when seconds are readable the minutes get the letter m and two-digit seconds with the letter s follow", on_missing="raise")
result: 11h48
